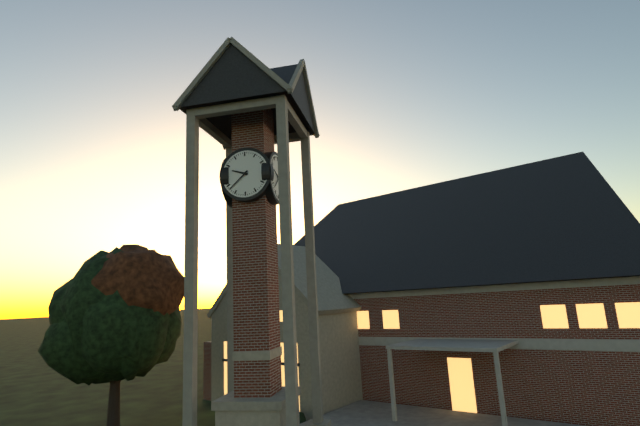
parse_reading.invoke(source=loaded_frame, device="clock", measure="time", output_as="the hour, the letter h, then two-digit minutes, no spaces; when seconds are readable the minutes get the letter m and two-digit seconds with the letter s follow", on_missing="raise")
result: 9h38
